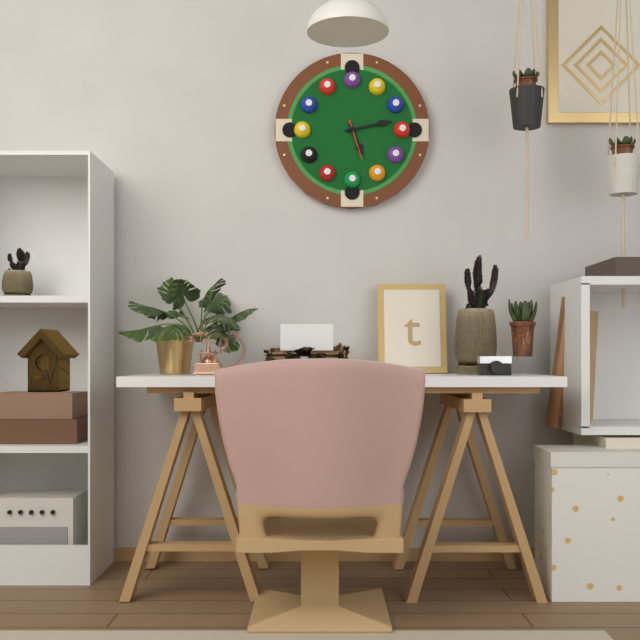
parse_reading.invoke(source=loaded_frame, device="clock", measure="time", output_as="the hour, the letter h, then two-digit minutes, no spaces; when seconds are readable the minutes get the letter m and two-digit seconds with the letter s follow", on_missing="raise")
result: 5h13
